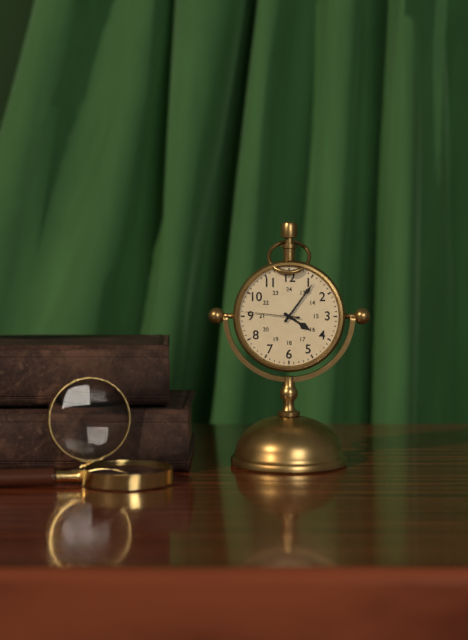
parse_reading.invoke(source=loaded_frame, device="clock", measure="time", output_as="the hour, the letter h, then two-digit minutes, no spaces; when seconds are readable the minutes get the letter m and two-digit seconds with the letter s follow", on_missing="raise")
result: 4h06m46s
